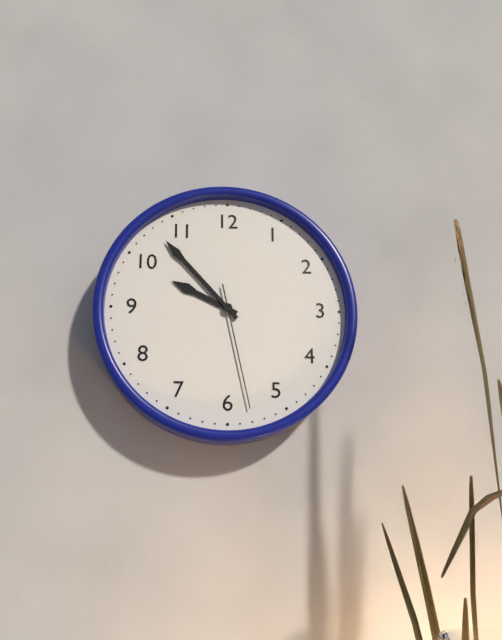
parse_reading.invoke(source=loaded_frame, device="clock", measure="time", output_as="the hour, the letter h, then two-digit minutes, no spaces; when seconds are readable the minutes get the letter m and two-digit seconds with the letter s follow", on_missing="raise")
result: 9h53m28s
